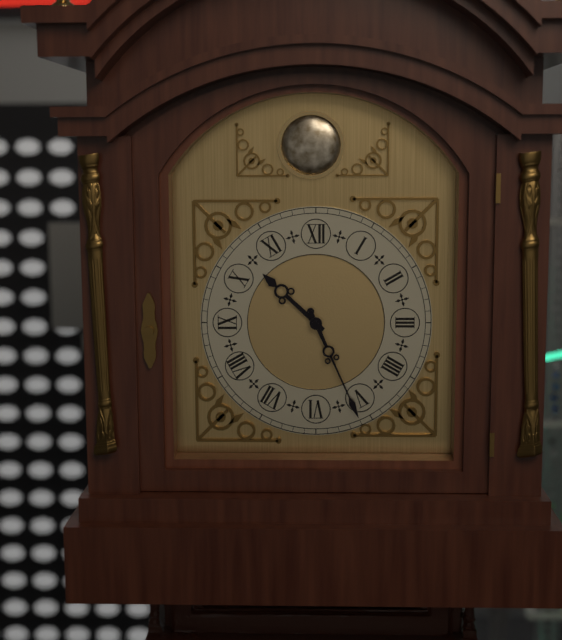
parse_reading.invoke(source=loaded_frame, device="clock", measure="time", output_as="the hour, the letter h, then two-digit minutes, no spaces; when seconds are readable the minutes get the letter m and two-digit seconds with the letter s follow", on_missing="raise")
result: 10h26
